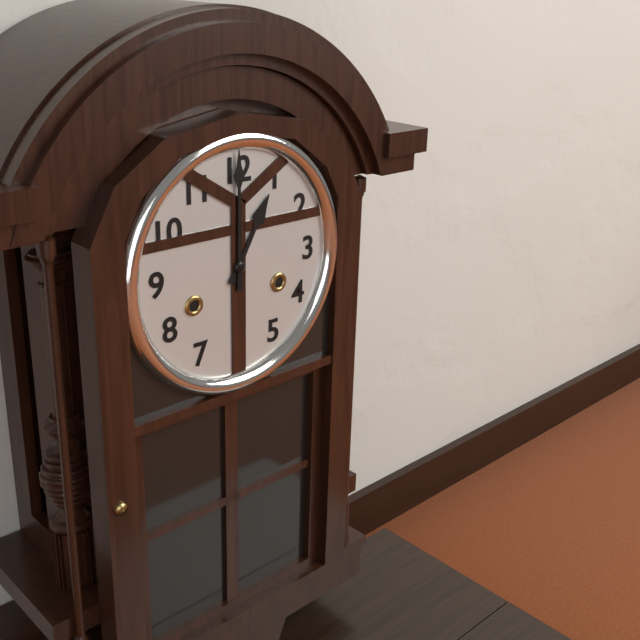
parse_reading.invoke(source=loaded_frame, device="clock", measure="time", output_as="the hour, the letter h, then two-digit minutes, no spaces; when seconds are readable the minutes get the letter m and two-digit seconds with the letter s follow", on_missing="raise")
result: 1h00
